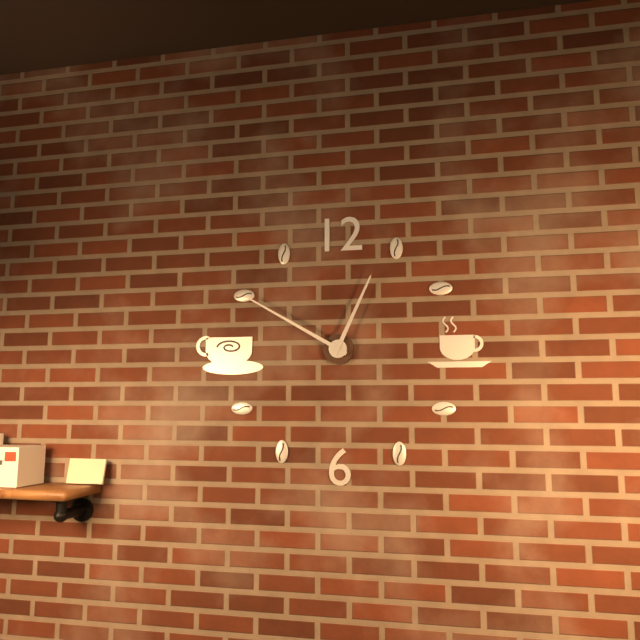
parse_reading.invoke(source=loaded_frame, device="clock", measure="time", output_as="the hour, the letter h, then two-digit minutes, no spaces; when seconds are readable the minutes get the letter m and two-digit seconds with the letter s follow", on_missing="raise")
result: 12h50
